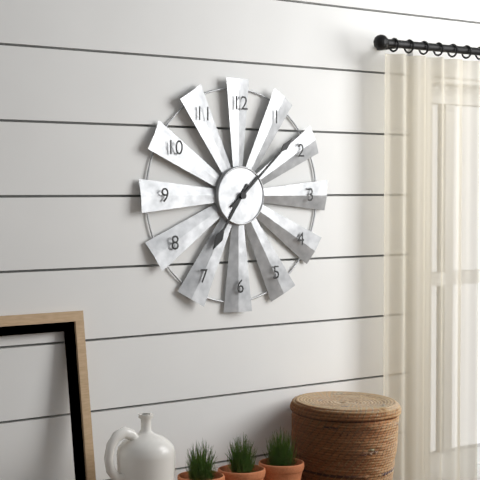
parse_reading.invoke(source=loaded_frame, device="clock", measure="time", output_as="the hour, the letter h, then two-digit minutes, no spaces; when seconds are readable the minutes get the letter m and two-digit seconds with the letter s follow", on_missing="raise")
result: 7h08
